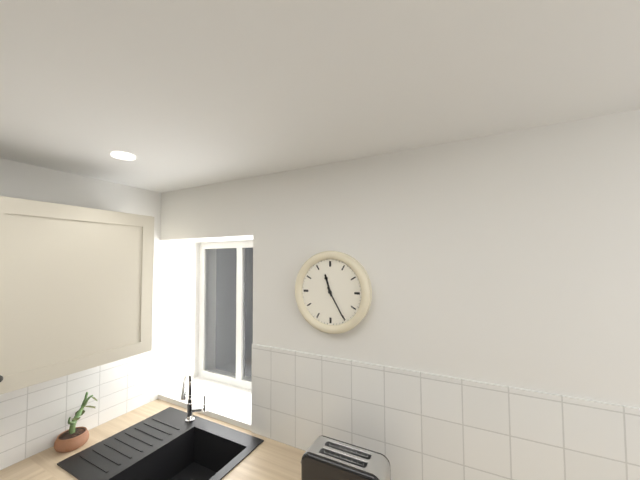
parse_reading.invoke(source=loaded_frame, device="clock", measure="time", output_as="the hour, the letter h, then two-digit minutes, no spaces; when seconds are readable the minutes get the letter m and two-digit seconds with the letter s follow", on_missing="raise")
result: 11h25
